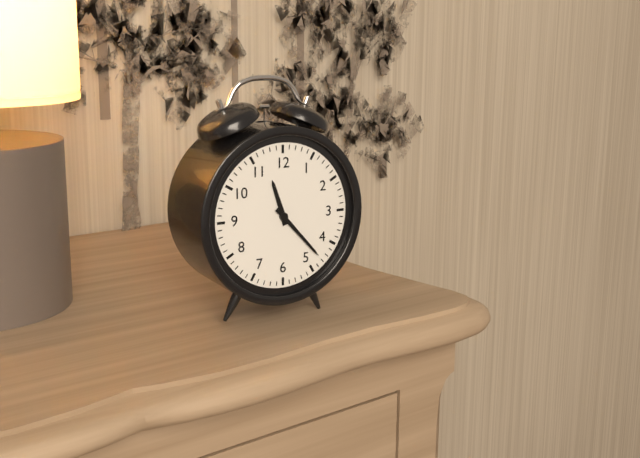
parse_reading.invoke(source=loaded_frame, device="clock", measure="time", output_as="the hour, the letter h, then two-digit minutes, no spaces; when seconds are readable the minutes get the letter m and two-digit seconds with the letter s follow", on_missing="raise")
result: 11h23
